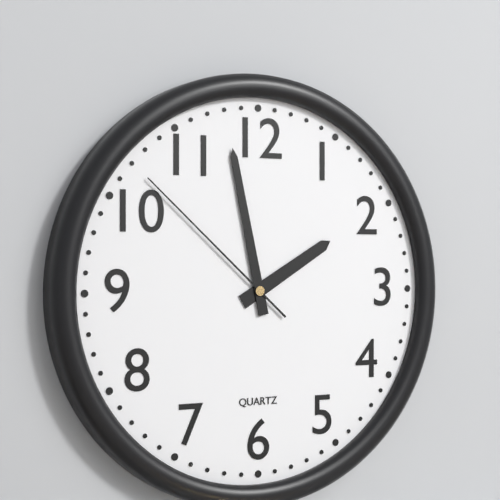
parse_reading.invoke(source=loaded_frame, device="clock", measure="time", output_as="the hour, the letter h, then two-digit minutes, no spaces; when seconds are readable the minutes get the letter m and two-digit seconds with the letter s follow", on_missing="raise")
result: 1h58m52s
